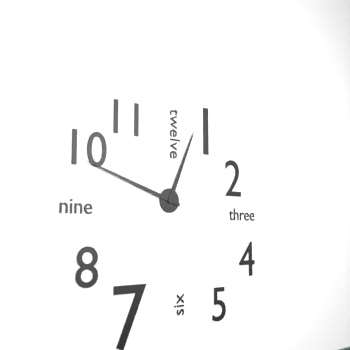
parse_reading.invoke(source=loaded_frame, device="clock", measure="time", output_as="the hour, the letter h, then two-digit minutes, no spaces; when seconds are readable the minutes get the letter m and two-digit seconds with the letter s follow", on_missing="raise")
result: 12h48
